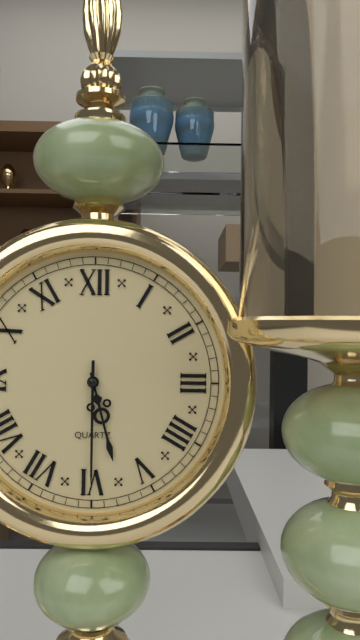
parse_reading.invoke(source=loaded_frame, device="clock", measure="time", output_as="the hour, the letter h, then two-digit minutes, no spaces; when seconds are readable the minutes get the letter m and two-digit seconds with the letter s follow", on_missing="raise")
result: 5h30
